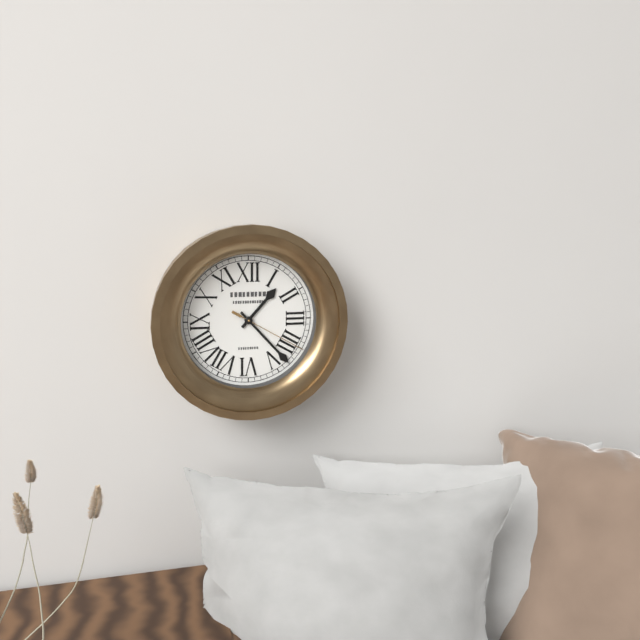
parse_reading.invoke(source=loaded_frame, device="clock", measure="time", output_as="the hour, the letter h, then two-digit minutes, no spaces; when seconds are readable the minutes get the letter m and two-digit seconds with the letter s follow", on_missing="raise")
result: 1h23m20s
